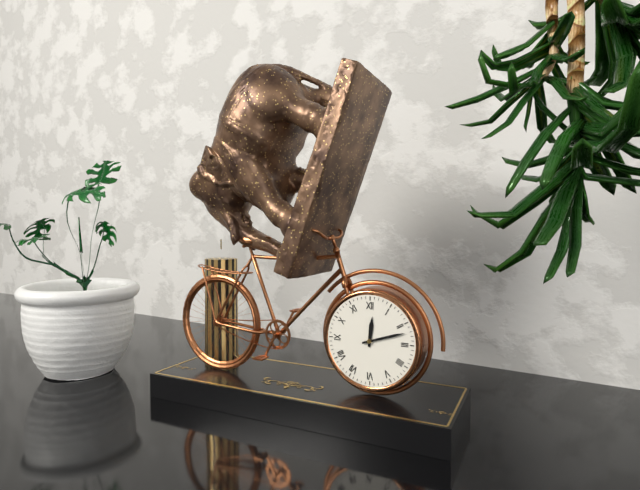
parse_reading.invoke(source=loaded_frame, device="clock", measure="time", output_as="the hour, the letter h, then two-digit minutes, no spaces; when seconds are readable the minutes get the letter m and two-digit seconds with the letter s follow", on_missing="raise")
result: 12h12
